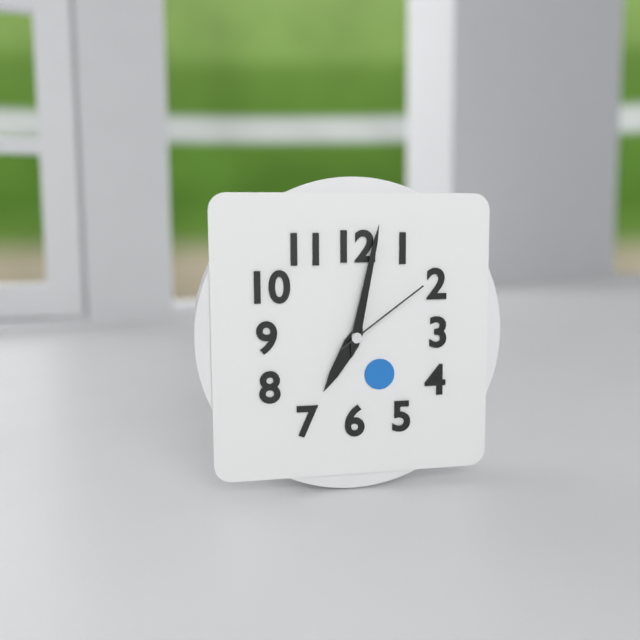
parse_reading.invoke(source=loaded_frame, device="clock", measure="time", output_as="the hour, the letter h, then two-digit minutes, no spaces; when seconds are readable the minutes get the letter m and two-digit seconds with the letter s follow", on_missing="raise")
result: 7h02m09s
